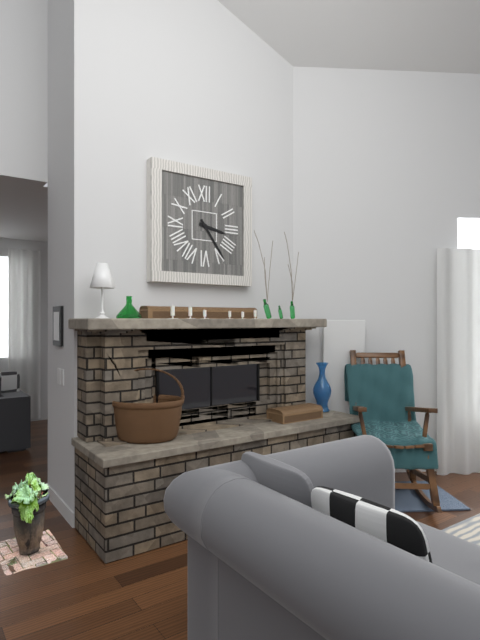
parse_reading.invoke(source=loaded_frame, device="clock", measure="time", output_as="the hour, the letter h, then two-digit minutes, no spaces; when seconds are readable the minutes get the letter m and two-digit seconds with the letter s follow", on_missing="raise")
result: 3h24
